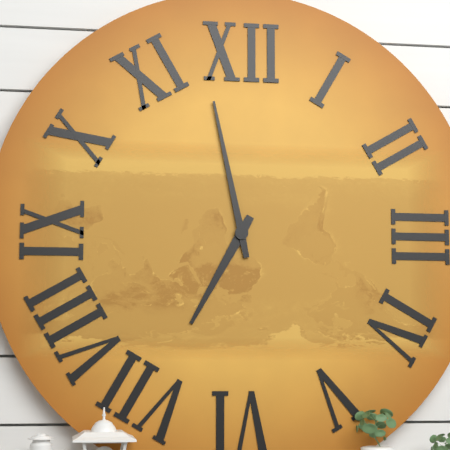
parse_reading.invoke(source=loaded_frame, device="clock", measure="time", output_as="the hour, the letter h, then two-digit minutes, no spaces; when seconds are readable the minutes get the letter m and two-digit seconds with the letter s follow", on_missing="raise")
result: 6h58
